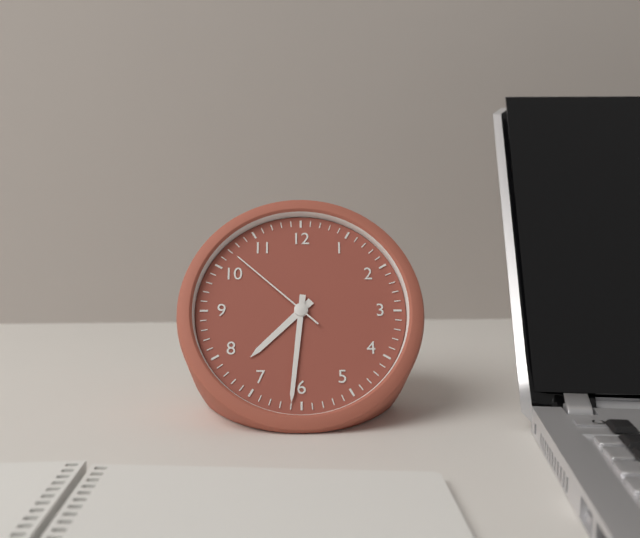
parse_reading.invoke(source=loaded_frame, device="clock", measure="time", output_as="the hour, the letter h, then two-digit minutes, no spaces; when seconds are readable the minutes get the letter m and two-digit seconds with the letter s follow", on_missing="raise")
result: 7h31m52s
